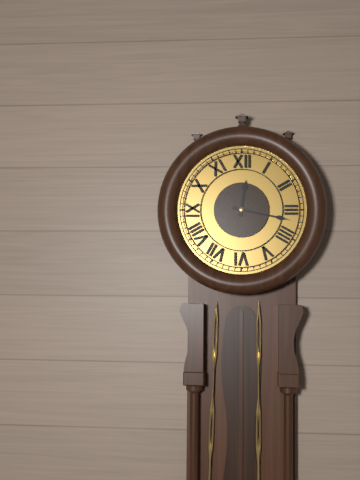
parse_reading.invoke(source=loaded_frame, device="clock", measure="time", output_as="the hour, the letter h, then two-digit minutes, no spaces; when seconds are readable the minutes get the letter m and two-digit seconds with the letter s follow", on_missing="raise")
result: 12h17
